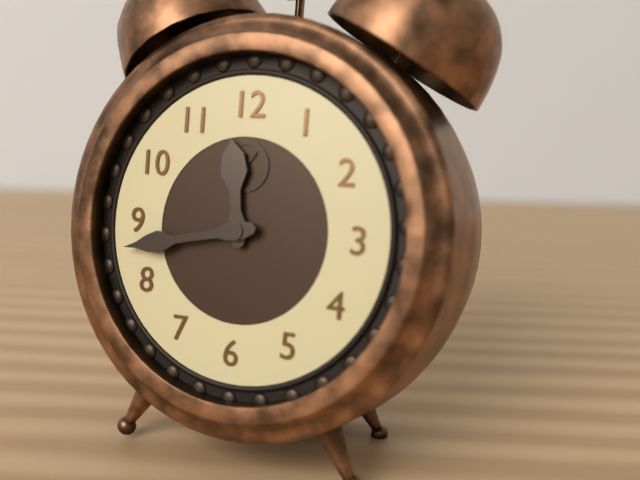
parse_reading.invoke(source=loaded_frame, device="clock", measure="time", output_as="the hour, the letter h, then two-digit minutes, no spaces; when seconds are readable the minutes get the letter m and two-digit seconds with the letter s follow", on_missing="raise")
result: 11h43
